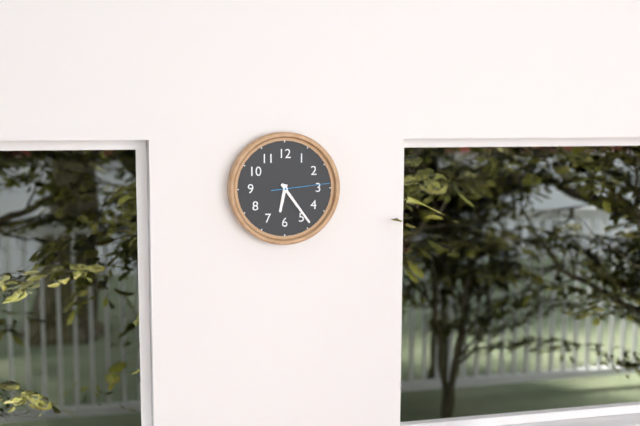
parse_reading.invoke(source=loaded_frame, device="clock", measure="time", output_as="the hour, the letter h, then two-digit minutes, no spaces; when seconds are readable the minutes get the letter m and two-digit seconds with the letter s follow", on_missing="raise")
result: 6h24m14s
